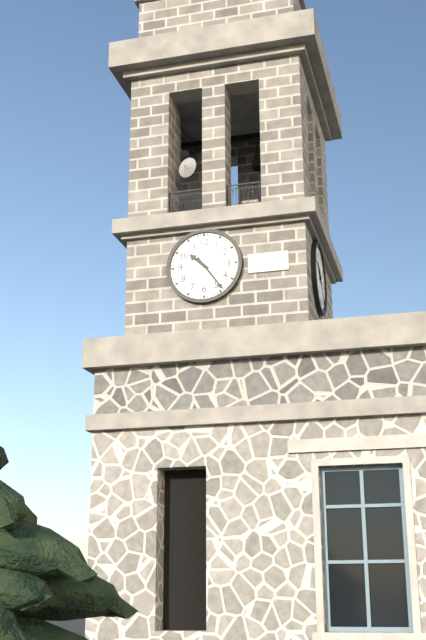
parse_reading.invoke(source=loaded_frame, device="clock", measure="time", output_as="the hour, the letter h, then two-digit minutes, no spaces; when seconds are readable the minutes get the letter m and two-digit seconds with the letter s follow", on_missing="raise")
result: 10h24
